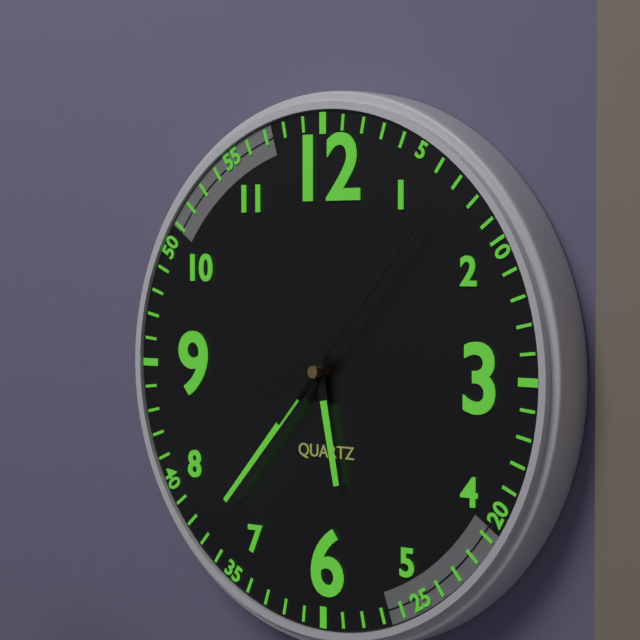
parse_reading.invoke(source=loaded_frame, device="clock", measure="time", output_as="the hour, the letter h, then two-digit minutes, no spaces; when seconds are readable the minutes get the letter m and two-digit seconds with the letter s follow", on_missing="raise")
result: 5h37m07s
